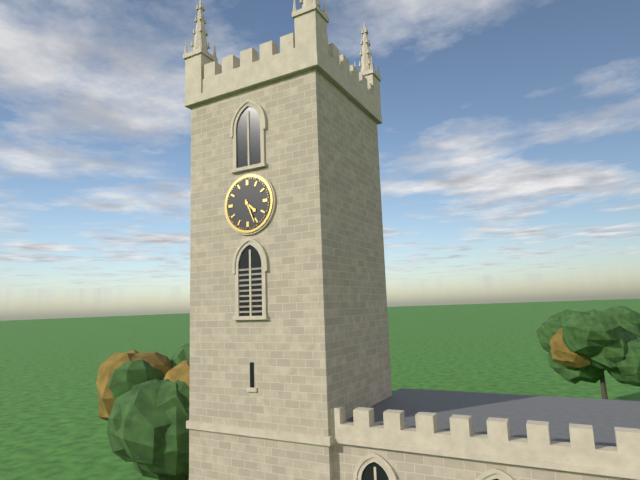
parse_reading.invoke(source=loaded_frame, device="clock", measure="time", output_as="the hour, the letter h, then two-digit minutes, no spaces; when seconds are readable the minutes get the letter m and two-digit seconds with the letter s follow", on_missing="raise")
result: 4h26
